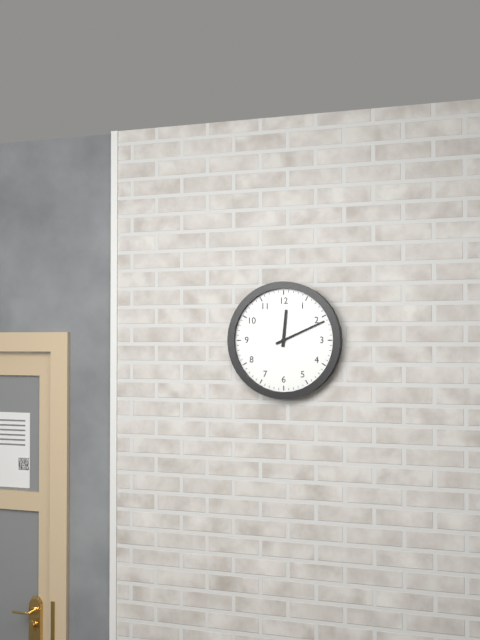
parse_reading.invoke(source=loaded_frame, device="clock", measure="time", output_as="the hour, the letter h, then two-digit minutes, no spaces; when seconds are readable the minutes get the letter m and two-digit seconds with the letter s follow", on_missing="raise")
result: 12h11
